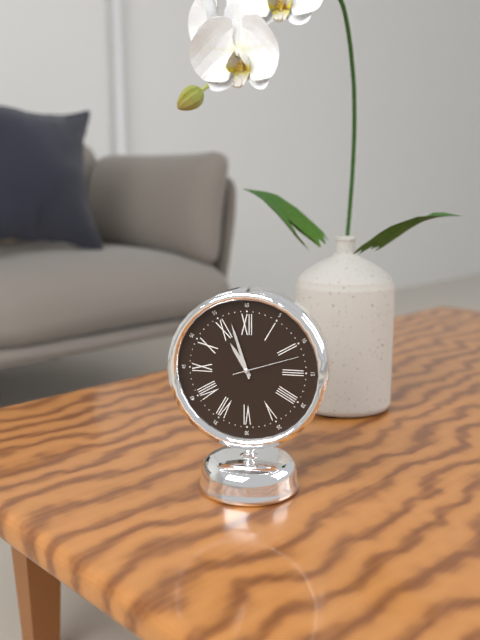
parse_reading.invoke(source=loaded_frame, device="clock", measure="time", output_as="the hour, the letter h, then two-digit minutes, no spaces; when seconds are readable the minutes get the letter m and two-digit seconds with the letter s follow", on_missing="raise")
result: 10h57m12s
